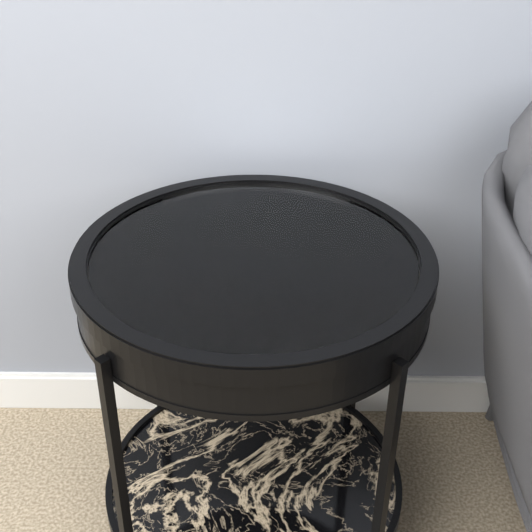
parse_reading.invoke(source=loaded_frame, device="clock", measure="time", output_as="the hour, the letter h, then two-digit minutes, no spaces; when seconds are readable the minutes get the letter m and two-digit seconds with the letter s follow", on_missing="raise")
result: 5h46
